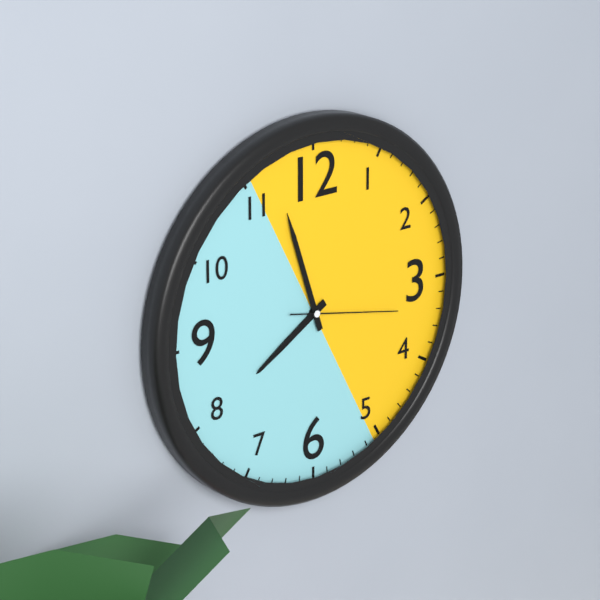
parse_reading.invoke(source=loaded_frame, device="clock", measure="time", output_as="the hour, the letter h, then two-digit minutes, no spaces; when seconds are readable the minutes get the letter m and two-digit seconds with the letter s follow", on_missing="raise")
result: 7h57m17s
